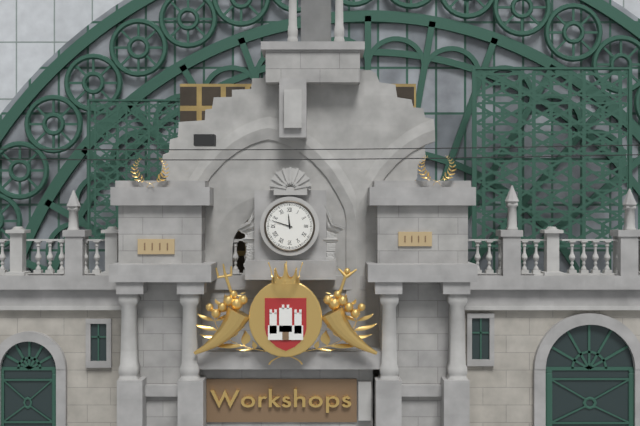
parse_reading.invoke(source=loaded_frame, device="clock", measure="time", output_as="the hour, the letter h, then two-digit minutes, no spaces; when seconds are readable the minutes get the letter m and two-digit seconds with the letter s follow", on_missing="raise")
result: 11h48
